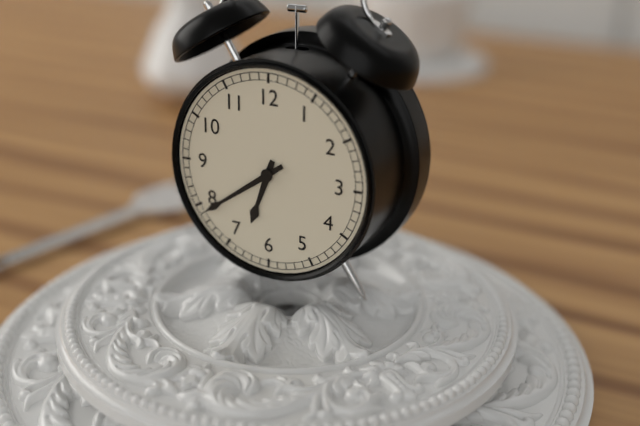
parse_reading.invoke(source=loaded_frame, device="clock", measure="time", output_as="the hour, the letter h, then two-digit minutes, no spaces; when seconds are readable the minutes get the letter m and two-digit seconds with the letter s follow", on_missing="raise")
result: 6h39
